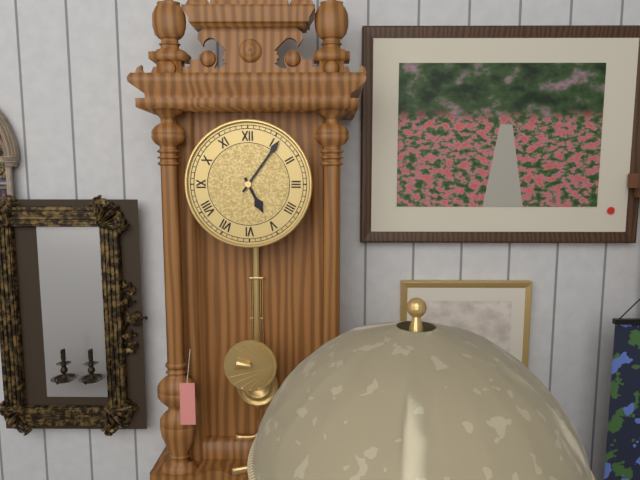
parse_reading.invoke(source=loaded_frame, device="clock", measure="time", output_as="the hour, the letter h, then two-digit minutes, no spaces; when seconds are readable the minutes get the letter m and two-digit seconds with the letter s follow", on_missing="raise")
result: 5h06
